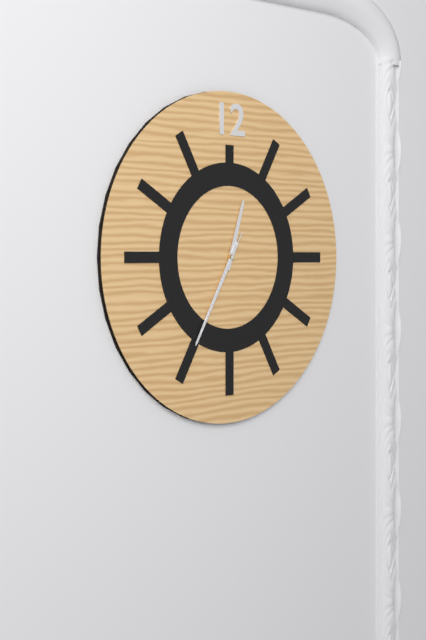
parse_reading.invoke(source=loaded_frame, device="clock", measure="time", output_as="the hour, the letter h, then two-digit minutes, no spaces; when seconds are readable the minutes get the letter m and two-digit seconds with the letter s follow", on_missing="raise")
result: 12h35m35s
